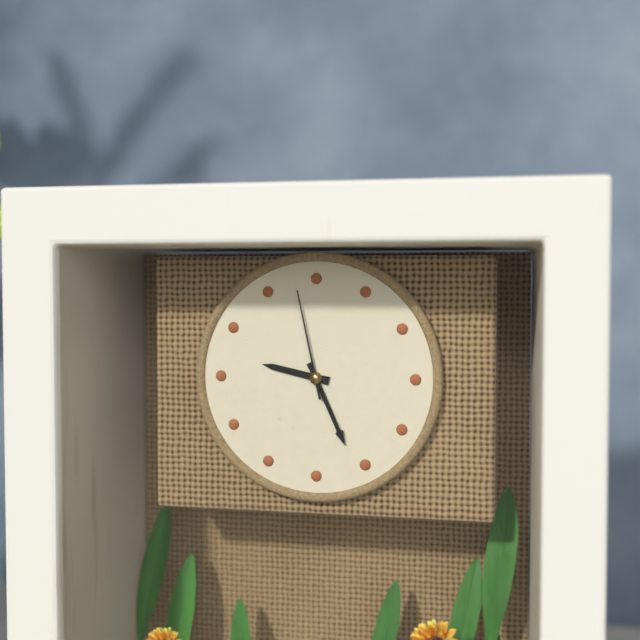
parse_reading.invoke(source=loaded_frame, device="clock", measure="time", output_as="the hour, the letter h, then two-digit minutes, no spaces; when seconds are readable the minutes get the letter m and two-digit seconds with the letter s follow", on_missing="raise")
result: 9h26m58s
